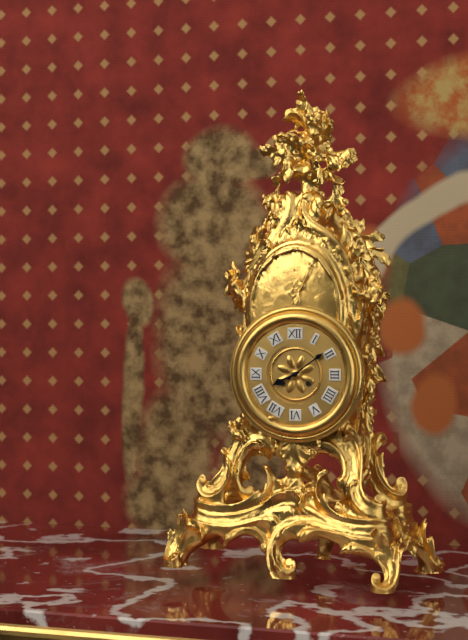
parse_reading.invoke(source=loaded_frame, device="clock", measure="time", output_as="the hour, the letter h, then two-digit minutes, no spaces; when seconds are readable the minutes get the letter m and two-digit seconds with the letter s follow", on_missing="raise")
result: 8h09
